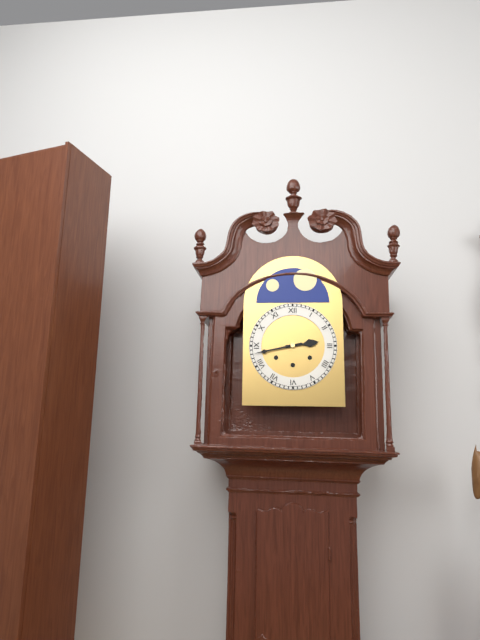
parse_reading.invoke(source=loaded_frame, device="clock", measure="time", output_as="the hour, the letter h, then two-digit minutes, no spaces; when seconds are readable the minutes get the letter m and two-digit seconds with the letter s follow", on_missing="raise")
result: 2h43
